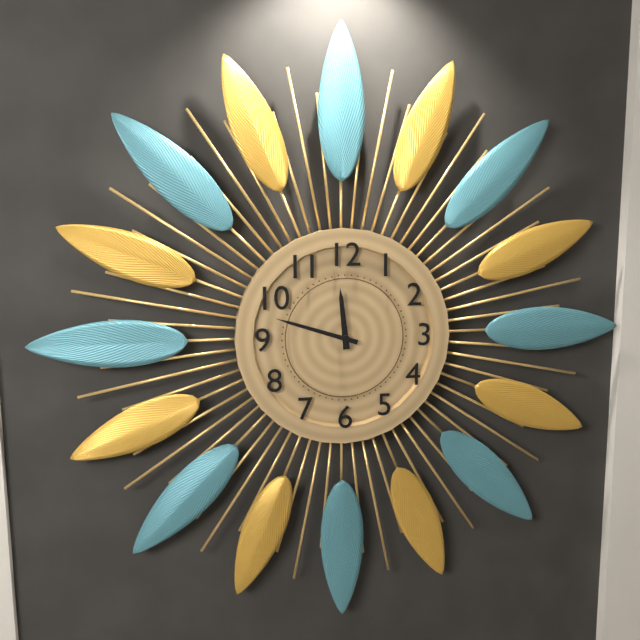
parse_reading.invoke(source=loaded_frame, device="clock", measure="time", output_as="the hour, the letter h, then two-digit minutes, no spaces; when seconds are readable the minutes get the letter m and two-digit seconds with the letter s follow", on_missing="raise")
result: 11h48
